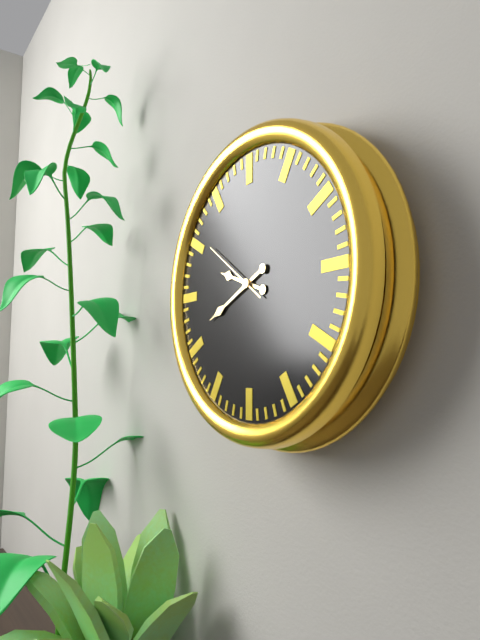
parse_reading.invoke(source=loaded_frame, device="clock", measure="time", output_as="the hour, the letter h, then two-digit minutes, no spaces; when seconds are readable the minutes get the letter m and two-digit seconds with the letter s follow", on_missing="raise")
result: 9h41m51s
